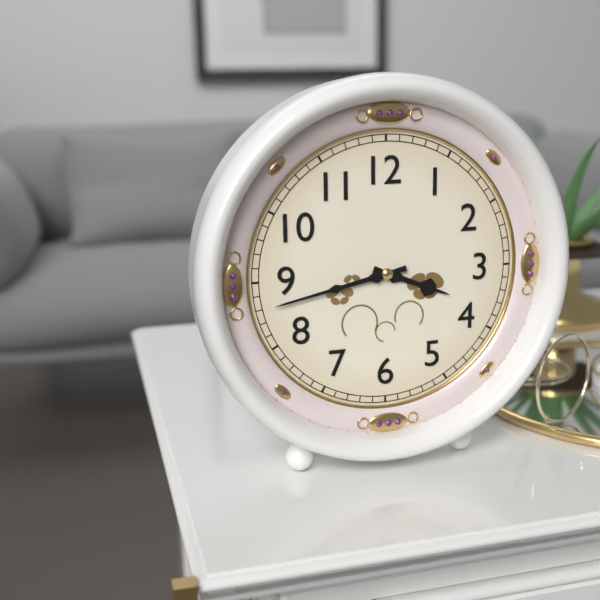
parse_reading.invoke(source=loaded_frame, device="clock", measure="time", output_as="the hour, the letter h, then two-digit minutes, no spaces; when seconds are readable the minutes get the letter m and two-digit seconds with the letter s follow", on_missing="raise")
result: 3h43
